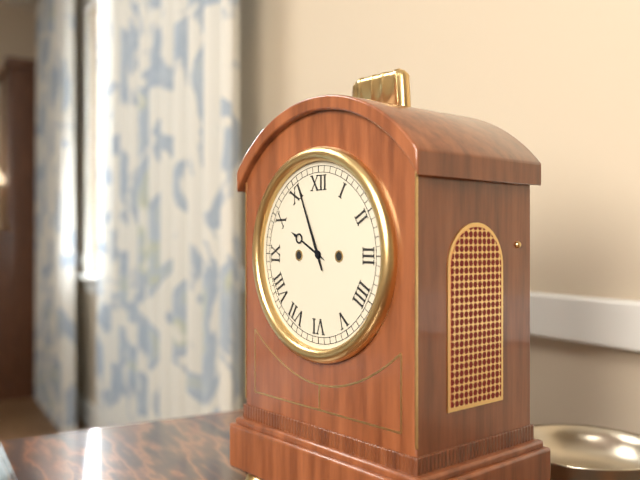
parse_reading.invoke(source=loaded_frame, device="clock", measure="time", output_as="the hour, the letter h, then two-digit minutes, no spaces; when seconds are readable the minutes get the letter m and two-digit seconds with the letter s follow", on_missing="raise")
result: 9h56
